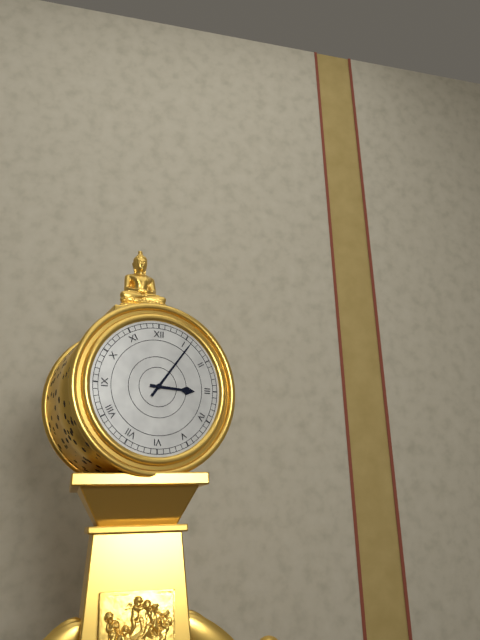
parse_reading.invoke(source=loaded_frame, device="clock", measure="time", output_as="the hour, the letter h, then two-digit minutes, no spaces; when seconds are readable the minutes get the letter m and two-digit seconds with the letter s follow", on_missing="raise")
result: 3h06
